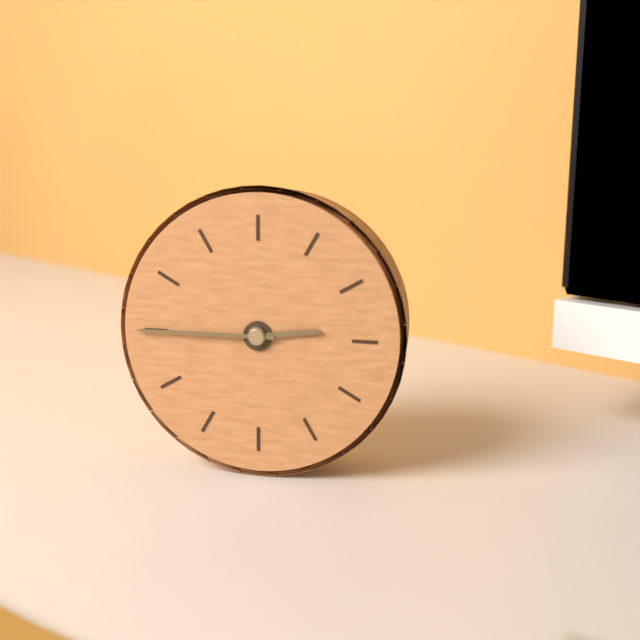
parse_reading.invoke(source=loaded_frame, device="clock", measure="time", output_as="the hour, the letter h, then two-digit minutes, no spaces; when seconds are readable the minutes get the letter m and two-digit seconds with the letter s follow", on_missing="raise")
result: 2h45
